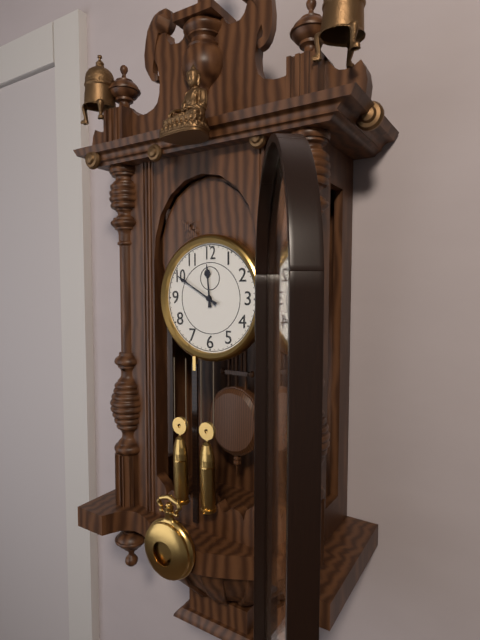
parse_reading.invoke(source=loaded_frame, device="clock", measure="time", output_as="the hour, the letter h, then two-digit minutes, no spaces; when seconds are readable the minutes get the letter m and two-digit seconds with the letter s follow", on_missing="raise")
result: 11h50
